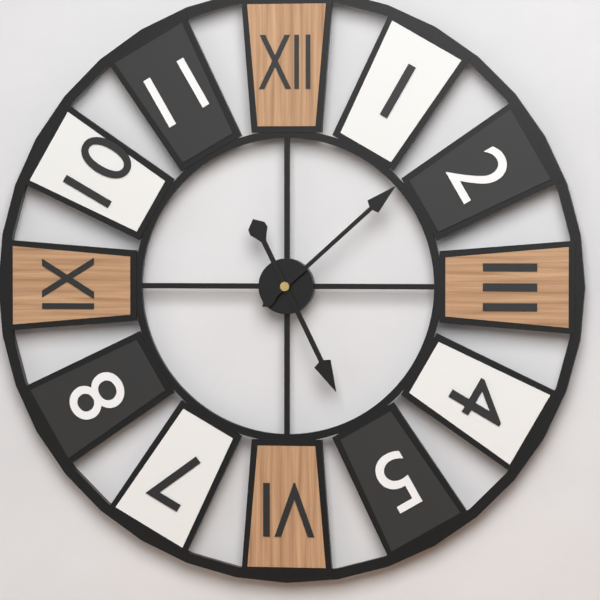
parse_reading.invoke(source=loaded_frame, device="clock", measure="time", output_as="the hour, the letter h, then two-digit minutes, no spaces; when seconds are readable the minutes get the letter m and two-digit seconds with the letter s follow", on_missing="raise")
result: 5h08
